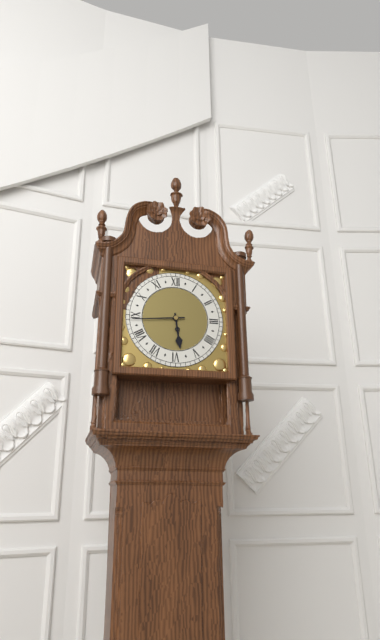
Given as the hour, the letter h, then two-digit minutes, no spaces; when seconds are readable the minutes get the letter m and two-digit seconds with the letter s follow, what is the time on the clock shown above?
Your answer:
5h44
